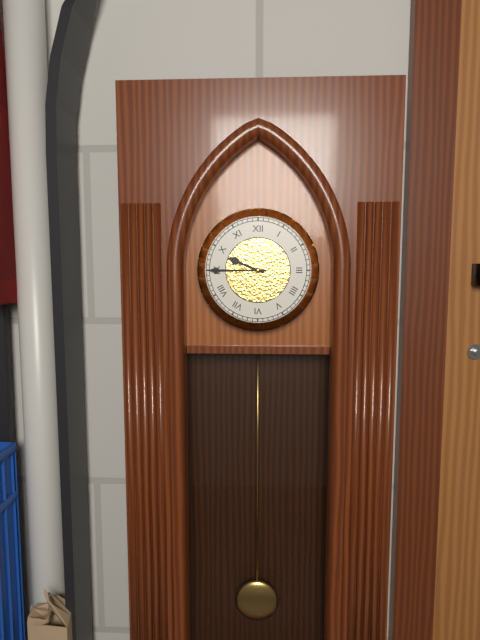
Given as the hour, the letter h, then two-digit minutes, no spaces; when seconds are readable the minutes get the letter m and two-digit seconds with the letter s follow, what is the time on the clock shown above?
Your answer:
9h45
